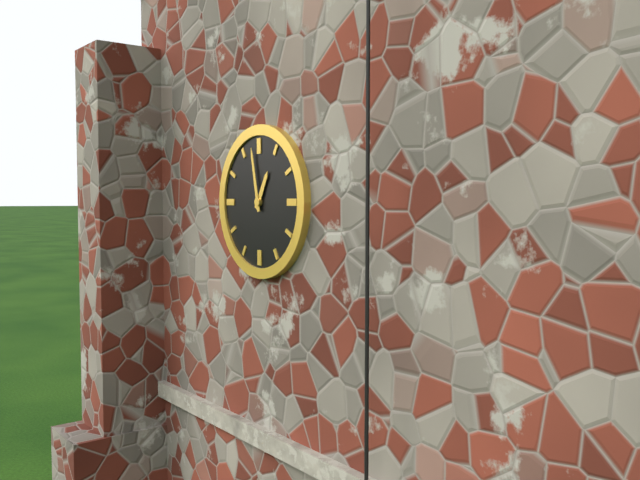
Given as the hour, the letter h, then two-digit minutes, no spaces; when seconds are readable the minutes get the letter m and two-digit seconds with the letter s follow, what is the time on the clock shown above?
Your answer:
12h58
